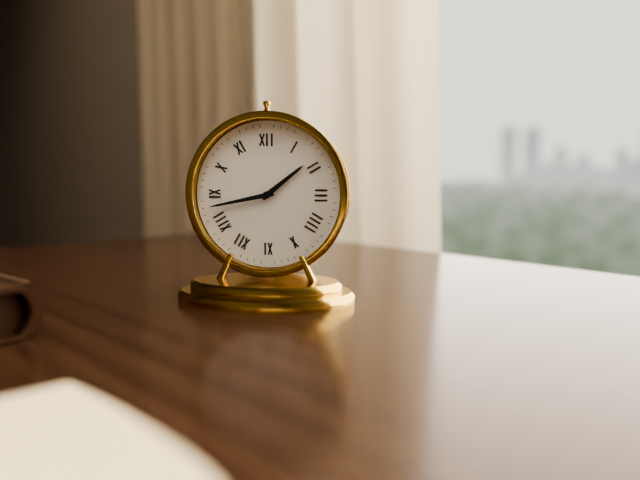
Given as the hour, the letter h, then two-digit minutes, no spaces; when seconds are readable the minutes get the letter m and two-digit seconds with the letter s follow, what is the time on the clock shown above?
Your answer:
1h43
